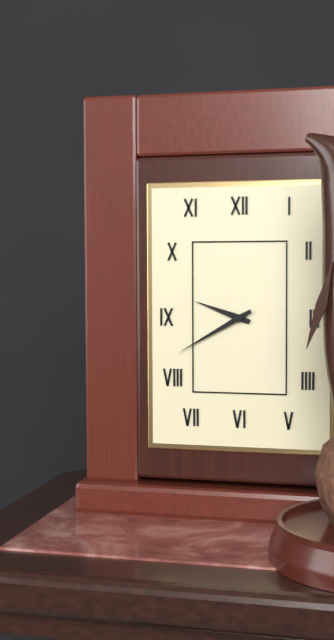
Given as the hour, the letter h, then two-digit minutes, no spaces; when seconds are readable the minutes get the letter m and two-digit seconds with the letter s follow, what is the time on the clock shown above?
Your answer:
9h40
